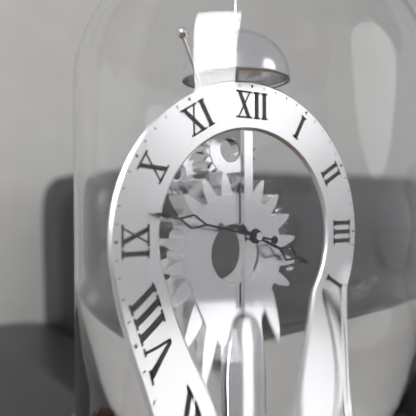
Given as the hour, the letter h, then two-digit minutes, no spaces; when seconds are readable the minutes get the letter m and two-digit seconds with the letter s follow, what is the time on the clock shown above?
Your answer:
3h47
